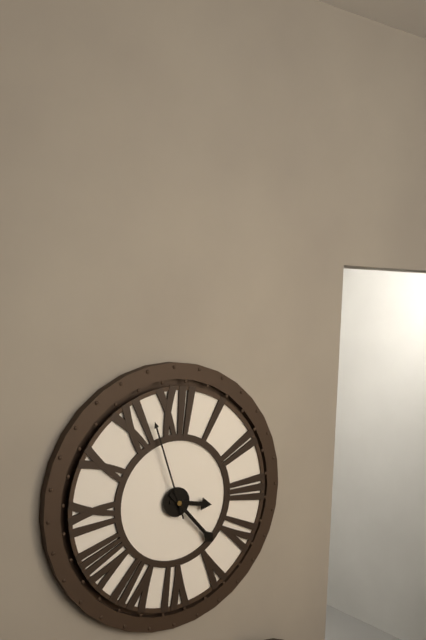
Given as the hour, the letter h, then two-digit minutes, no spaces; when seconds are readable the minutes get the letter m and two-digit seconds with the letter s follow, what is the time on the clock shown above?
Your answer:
3h23m57s
